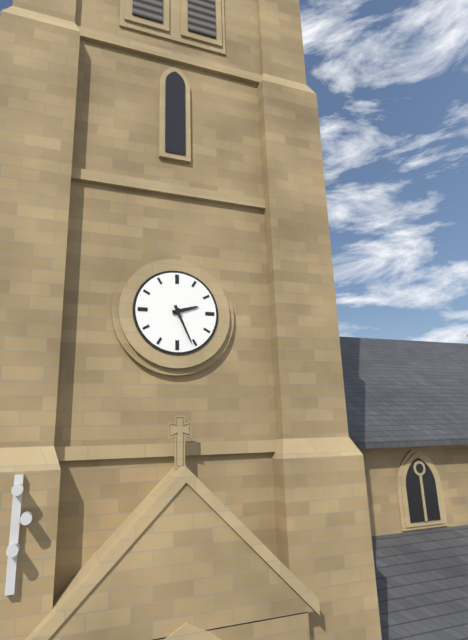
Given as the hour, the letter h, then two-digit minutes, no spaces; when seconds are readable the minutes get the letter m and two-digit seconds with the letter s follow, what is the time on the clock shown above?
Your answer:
2h26
